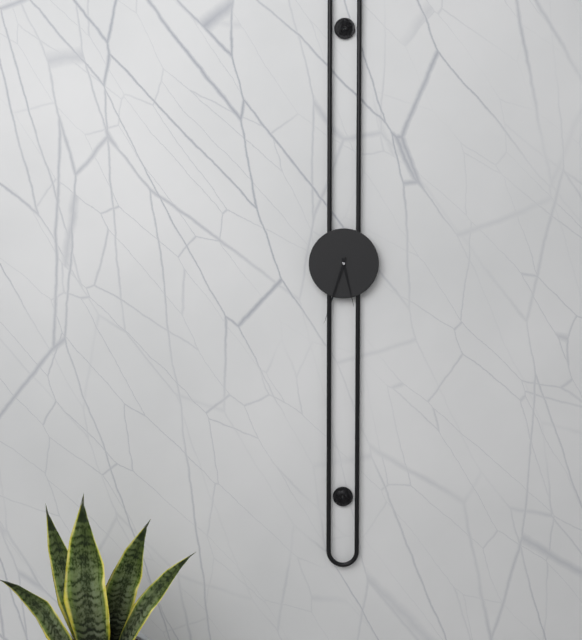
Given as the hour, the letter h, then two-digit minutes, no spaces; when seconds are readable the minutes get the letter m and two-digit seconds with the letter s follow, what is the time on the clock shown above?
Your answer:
5h33
